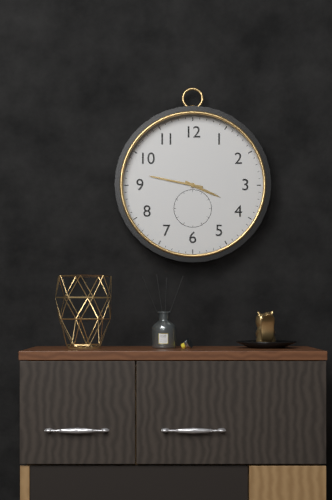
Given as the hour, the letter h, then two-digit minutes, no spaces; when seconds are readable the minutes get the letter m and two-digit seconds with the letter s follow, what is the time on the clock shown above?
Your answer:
3h47
